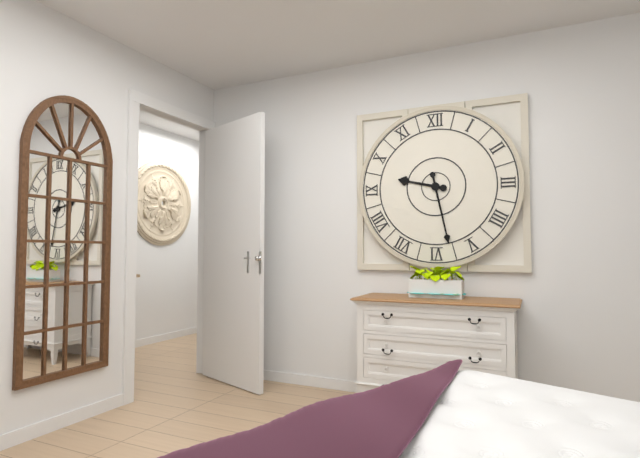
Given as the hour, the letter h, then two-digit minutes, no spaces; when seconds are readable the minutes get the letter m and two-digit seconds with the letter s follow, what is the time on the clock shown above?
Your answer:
9h28
